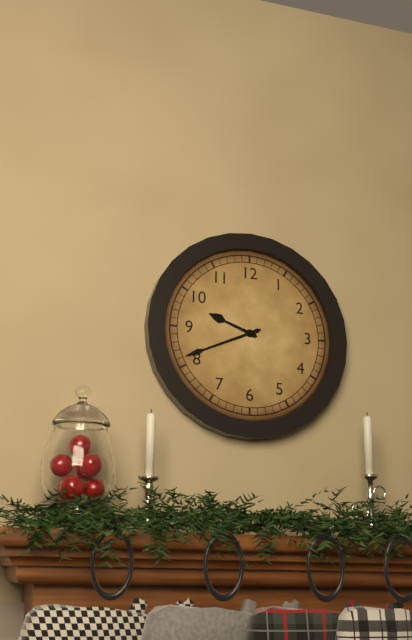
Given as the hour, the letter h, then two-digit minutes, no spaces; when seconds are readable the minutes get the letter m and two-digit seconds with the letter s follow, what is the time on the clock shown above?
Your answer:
9h41
